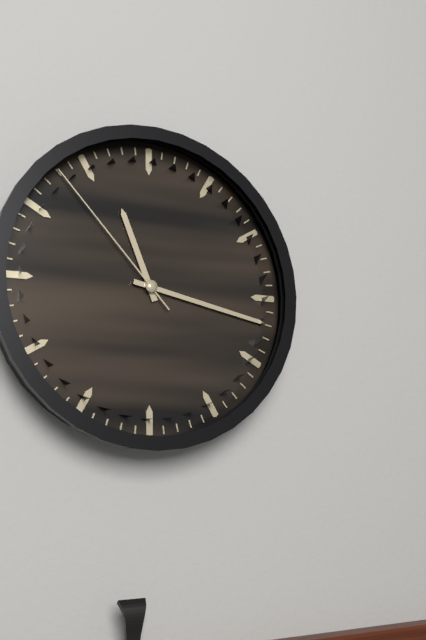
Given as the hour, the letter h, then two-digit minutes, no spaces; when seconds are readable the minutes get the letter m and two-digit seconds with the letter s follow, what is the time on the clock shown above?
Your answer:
11h17m53s
